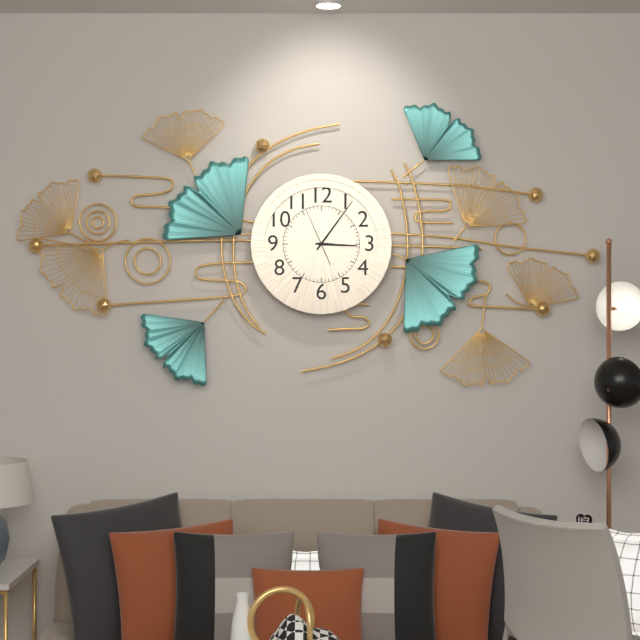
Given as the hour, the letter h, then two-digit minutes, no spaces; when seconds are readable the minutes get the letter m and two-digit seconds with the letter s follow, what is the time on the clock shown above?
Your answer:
3h06
